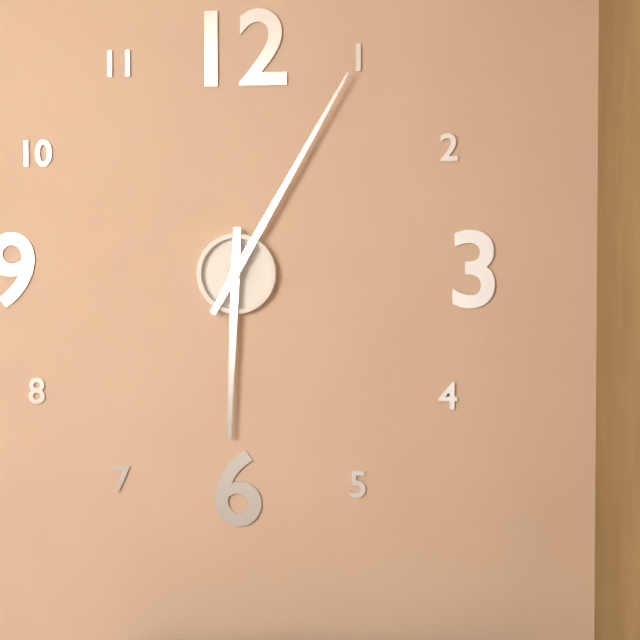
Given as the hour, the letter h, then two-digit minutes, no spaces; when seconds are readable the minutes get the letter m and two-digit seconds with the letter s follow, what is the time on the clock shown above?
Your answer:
6h05
